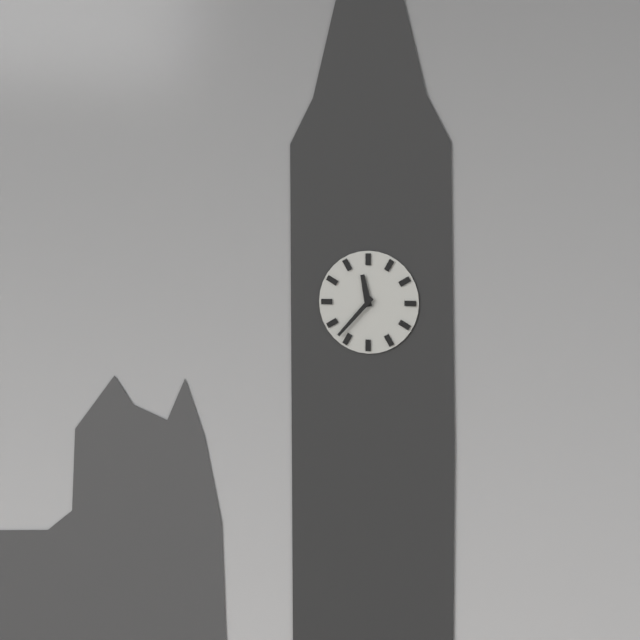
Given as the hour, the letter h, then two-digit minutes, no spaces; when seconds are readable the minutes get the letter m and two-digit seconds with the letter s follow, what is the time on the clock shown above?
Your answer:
11h37
